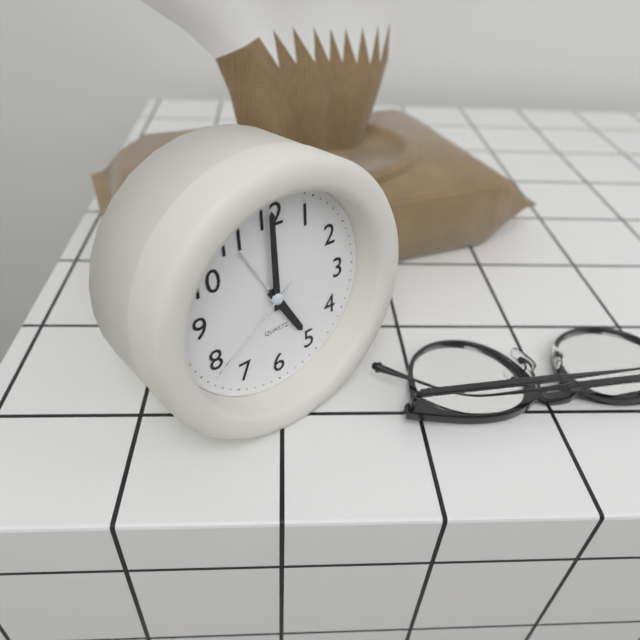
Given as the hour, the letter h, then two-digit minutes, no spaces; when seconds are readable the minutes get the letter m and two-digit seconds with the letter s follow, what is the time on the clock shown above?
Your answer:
5h00m39s
